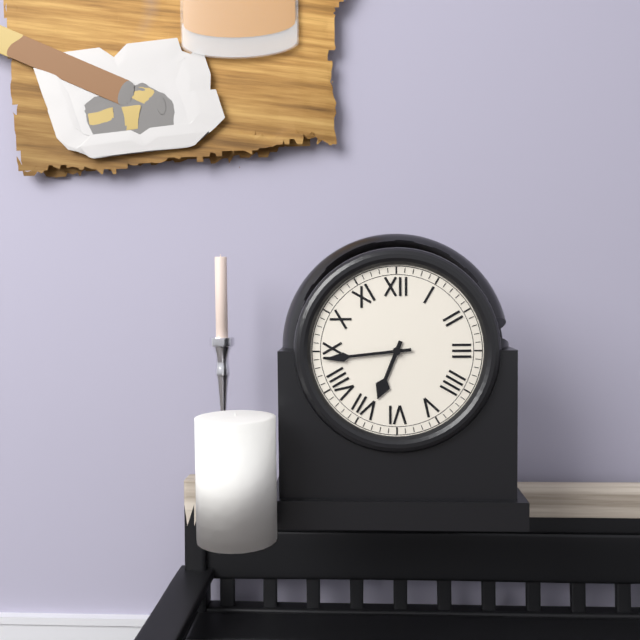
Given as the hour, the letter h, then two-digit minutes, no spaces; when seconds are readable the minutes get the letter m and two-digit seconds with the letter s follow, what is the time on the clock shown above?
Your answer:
6h44
